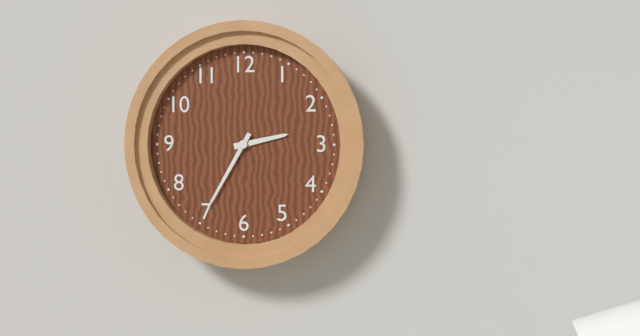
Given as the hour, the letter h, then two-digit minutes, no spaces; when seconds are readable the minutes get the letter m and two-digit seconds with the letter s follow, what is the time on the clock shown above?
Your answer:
2h35
